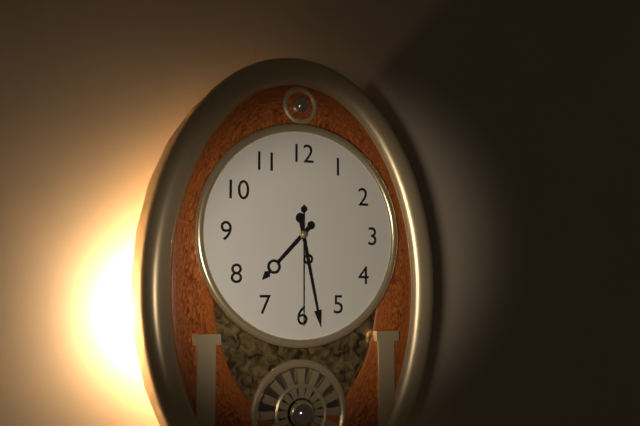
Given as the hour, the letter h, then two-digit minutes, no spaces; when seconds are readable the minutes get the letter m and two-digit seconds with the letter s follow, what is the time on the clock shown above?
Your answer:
7h28m30s
